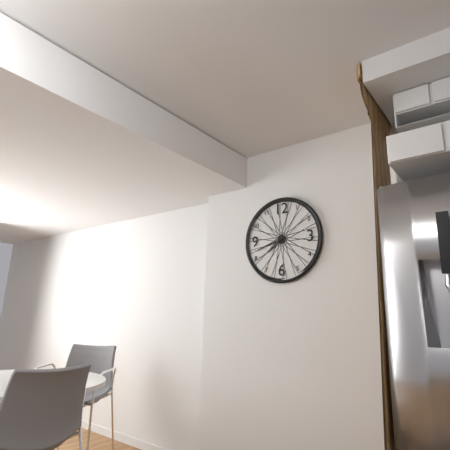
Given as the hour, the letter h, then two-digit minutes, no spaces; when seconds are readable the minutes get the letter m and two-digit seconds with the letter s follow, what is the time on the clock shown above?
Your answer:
7h42
